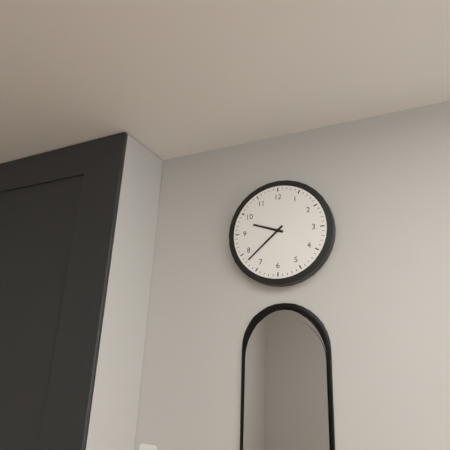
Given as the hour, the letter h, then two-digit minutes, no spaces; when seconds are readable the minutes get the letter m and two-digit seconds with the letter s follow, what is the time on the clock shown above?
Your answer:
9h38
